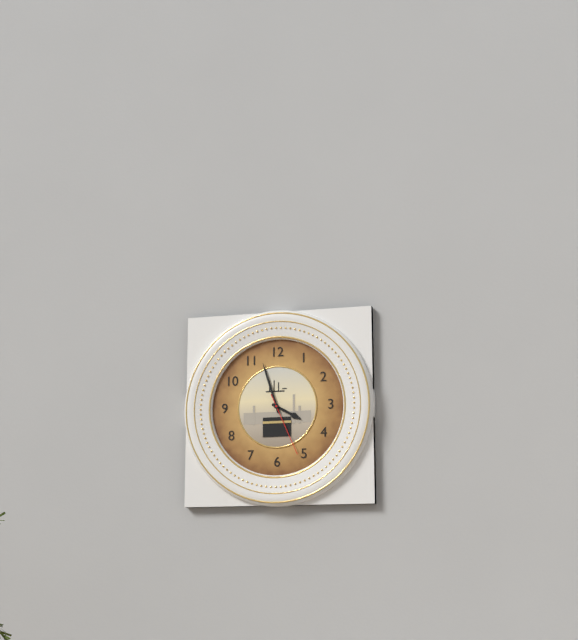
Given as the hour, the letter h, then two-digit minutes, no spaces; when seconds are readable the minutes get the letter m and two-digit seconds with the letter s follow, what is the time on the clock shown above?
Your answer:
3h57m26s
